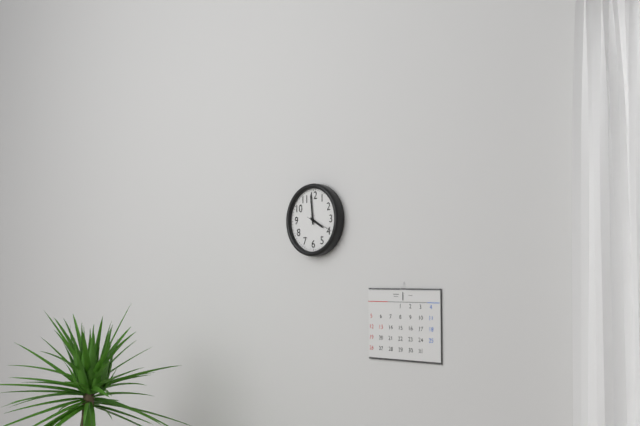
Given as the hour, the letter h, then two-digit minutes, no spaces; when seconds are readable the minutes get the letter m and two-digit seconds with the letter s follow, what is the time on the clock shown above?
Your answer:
3h59
